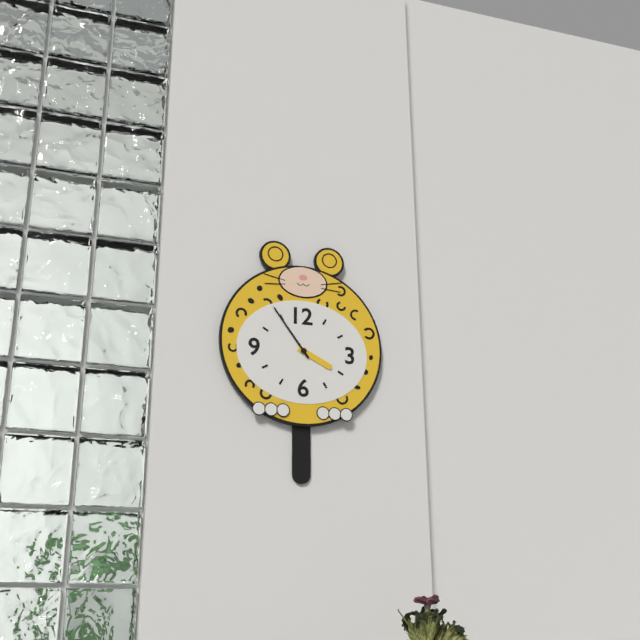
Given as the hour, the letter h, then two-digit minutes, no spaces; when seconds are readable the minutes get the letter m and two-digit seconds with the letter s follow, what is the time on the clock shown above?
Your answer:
3h54
